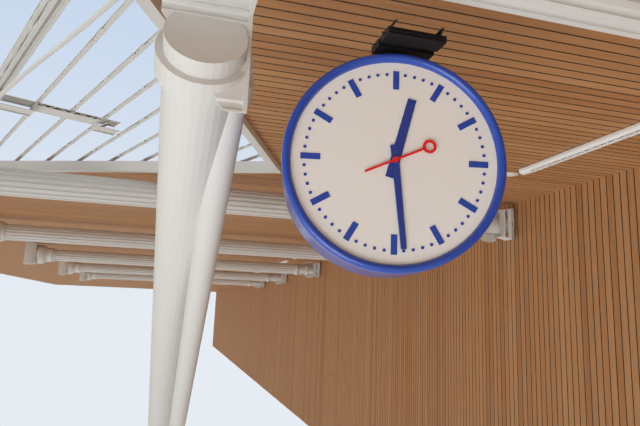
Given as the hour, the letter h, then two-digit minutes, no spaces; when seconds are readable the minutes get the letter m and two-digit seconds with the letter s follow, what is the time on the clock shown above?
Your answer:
12h29m11s
